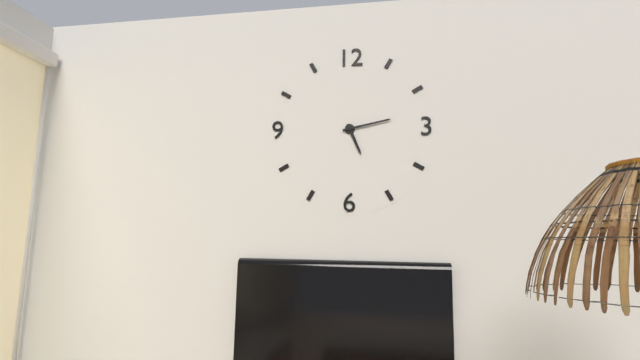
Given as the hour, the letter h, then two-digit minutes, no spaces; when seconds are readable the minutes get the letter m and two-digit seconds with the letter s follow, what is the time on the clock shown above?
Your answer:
5h13
